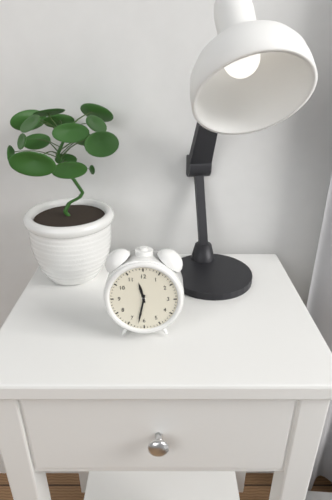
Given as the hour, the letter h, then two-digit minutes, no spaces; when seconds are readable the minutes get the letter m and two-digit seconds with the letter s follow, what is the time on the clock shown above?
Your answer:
11h32
